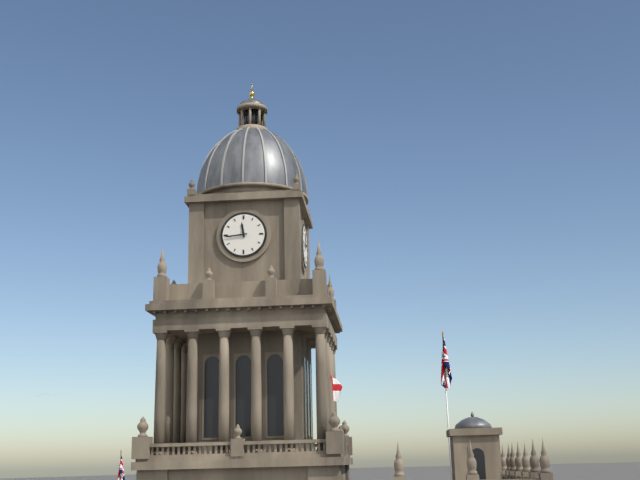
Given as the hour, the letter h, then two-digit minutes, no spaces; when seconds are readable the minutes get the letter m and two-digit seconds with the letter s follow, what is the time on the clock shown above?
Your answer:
11h44
